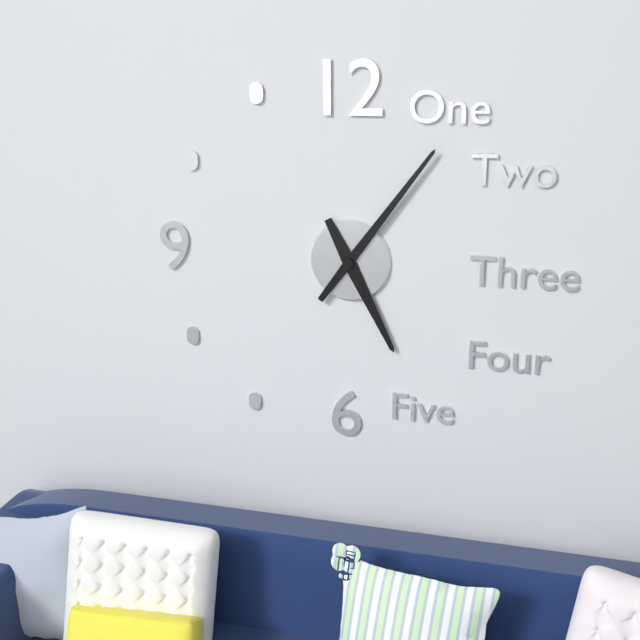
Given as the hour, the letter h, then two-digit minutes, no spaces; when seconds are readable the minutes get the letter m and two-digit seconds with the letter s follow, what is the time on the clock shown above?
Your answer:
5h06
